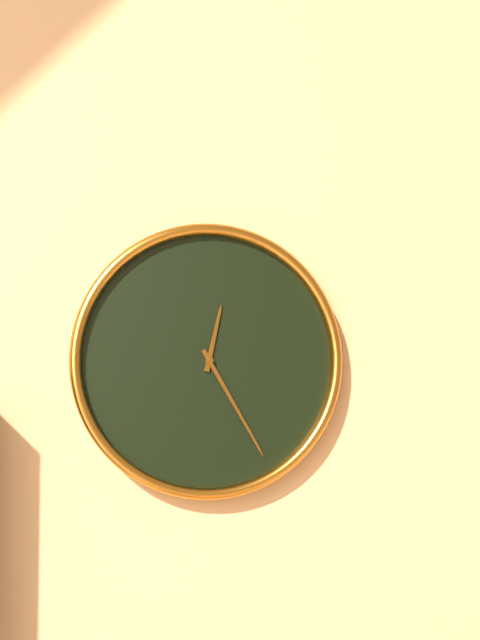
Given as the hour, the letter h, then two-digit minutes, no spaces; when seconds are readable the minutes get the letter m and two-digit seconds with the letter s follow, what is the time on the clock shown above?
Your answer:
12h25
